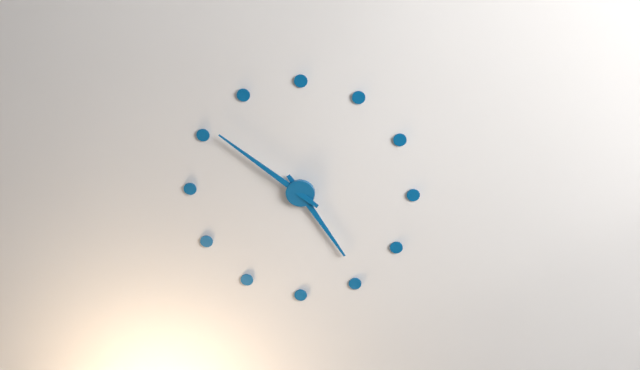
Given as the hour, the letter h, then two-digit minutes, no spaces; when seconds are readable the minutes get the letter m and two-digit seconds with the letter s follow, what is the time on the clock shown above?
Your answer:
4h51
